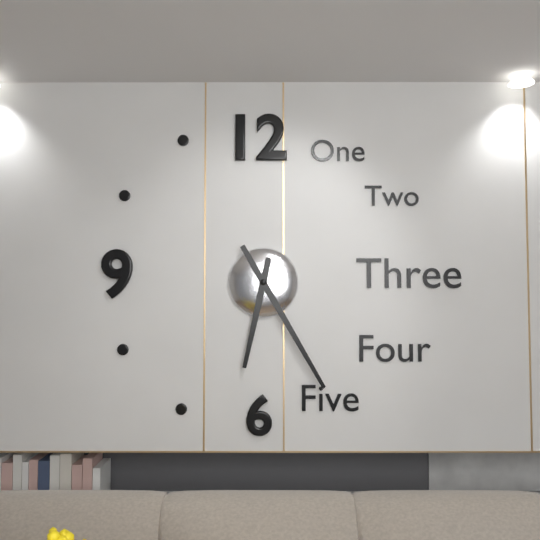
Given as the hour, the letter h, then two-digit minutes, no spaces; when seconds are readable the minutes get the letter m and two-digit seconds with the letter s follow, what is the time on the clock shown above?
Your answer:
6h25
